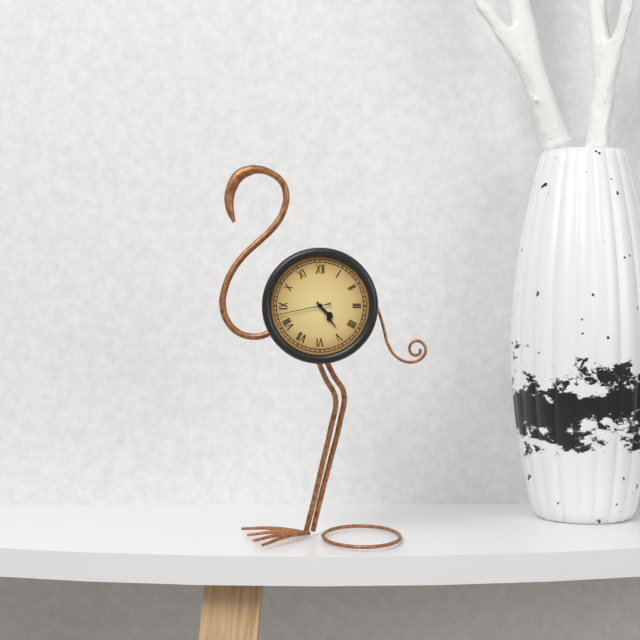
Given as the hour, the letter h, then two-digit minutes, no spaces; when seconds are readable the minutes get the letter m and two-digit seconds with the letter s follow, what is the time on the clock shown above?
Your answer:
4h24m43s
